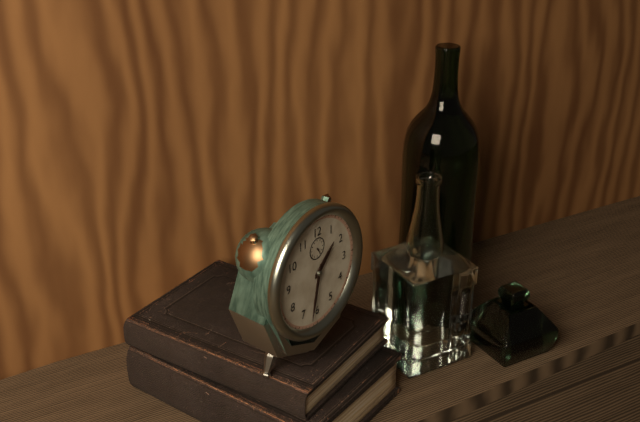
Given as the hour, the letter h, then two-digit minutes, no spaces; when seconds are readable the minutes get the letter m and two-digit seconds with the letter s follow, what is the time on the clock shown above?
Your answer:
1h32
